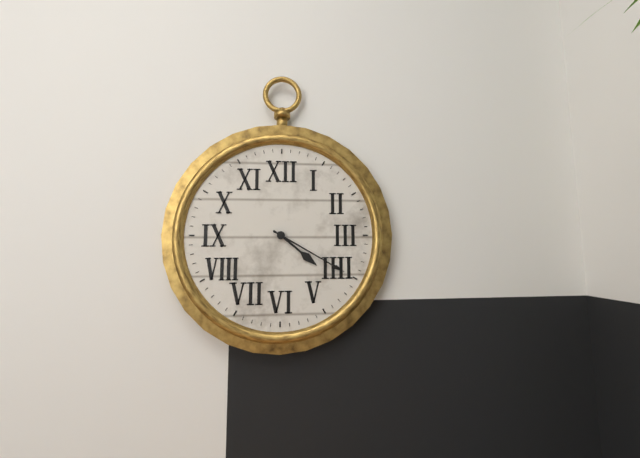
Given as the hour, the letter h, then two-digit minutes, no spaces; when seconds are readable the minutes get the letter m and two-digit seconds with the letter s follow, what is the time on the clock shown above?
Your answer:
4h20
